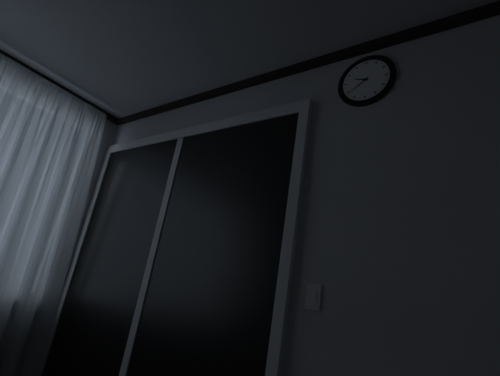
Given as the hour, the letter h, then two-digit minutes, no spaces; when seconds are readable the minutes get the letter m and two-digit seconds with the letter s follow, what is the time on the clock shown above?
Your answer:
9h39
